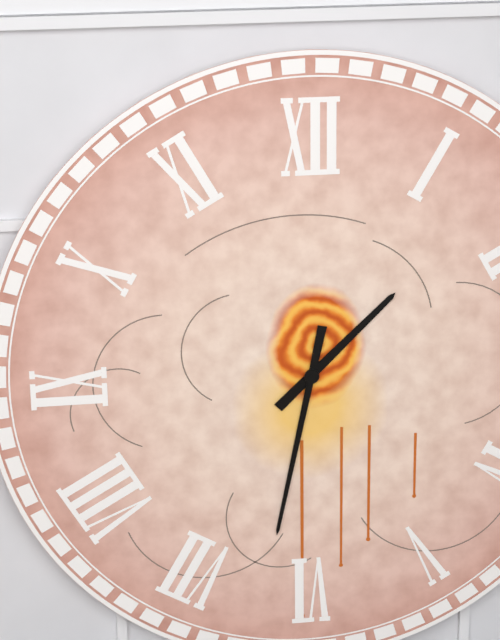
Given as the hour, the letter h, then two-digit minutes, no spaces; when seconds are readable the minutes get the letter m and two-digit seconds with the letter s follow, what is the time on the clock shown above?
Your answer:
1h32
